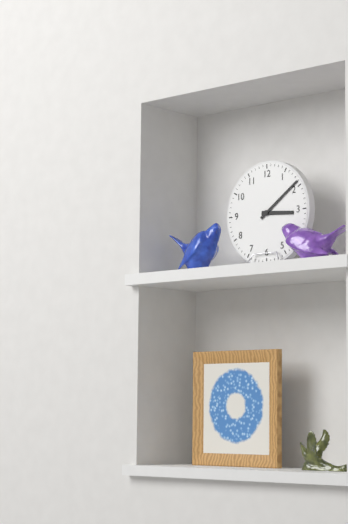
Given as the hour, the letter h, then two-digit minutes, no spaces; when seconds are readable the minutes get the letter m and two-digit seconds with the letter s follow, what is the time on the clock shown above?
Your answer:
3h09
